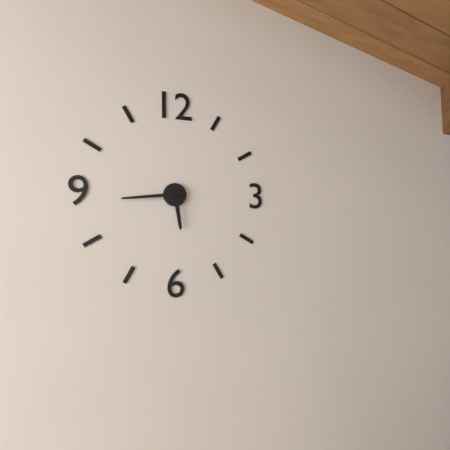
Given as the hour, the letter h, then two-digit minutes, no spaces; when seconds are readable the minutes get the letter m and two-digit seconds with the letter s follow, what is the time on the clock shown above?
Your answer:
5h44
